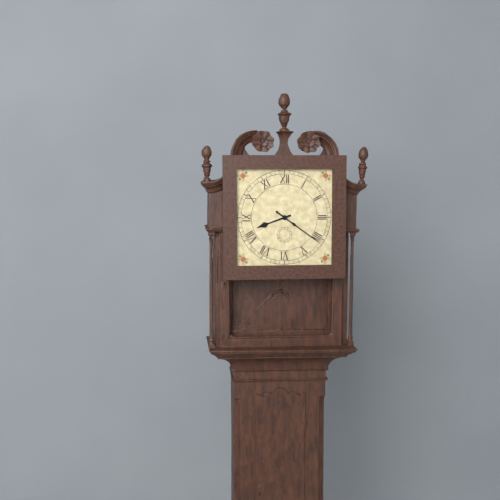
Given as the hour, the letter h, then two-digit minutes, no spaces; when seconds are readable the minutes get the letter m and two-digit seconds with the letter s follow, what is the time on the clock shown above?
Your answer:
8h21
